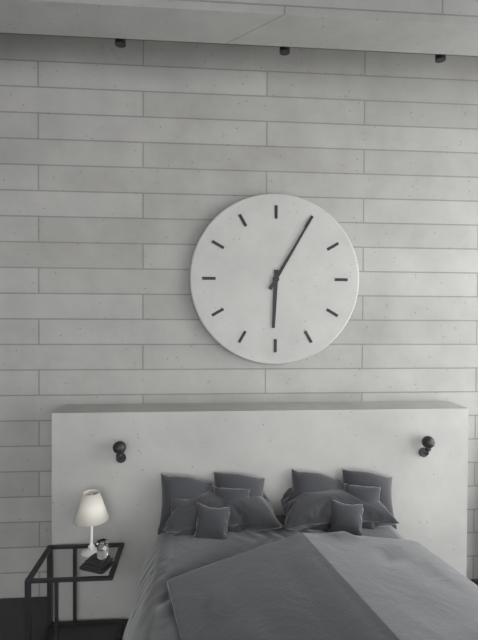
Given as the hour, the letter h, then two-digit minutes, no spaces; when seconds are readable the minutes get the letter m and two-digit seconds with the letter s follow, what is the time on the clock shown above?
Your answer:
6h05
